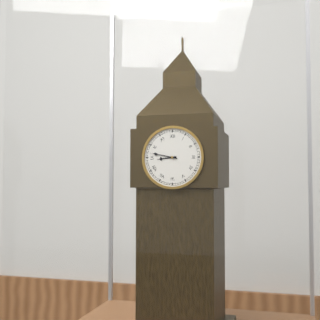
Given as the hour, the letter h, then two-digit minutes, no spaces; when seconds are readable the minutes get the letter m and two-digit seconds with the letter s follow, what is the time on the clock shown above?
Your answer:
8h47
